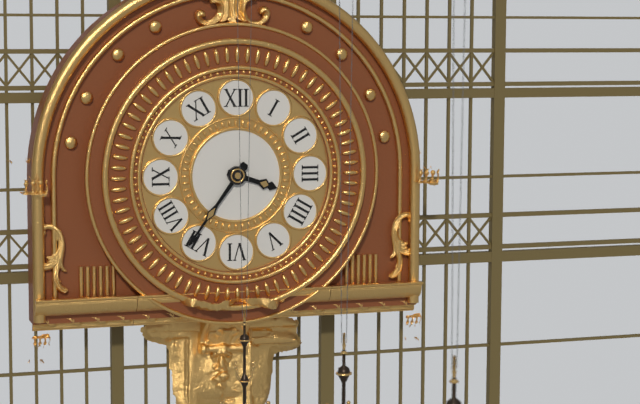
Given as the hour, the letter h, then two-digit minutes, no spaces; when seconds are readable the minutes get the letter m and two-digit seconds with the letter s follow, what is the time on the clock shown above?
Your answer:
3h36
